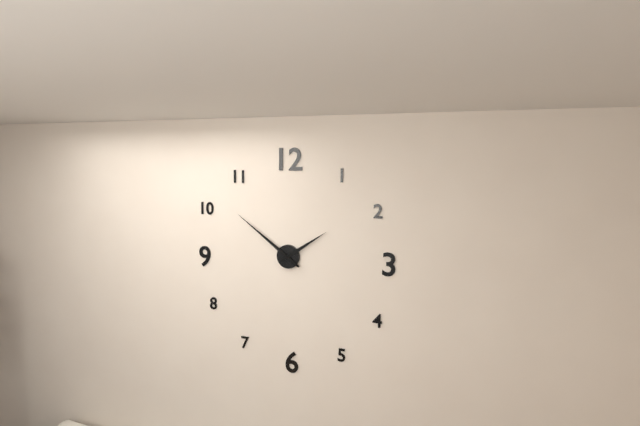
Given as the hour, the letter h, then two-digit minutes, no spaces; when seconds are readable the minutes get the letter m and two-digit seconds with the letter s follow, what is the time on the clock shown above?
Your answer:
1h51
